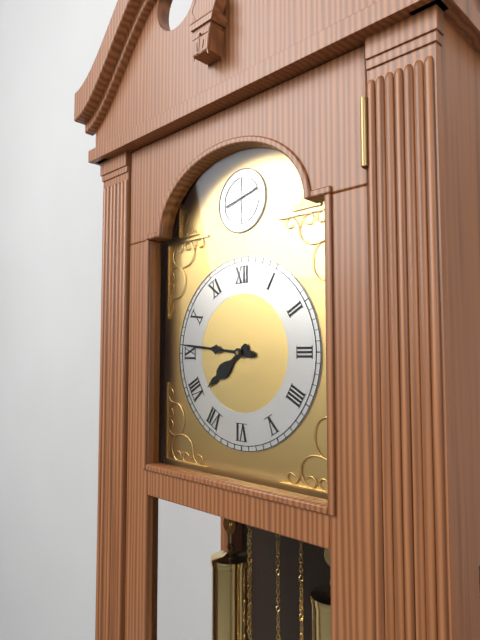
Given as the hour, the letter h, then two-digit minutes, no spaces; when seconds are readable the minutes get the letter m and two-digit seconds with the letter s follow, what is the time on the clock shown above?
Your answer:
7h46
